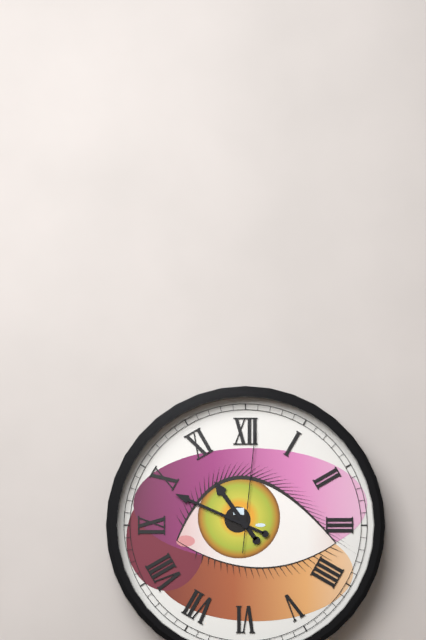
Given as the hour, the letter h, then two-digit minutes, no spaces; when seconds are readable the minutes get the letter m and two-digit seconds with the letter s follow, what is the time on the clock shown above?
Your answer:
10h49m01s
